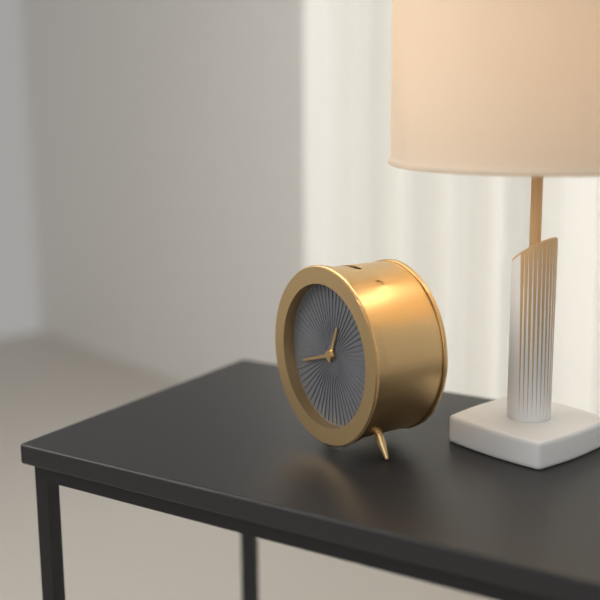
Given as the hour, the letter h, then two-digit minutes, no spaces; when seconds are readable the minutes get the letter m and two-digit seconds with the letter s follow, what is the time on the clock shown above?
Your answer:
12h42
